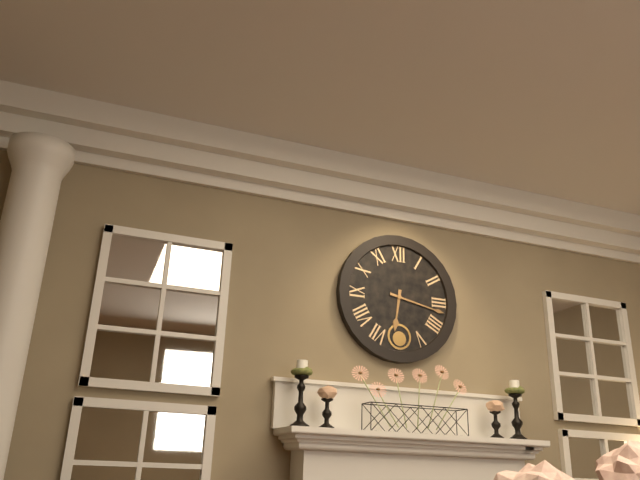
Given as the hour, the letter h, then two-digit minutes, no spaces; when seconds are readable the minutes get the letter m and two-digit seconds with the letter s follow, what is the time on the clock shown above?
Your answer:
6h17
